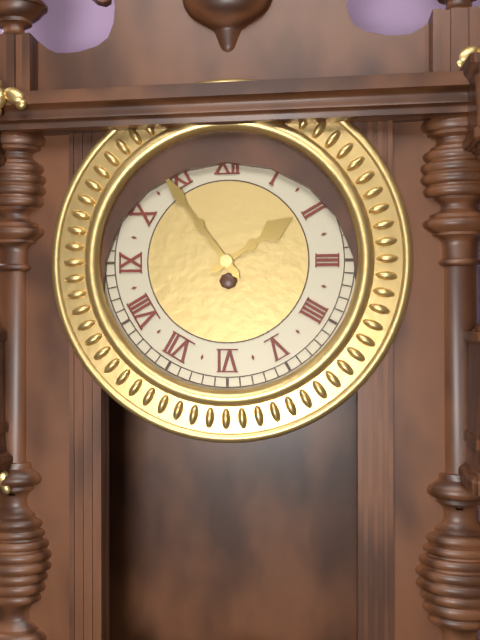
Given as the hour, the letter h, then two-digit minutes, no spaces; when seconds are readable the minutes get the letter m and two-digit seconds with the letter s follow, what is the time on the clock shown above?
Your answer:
1h54
